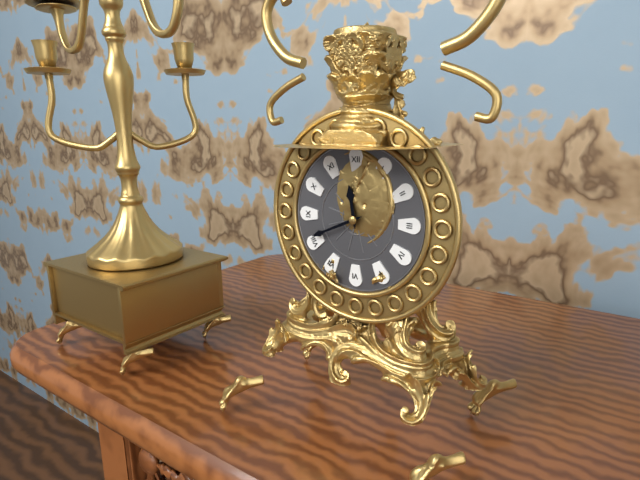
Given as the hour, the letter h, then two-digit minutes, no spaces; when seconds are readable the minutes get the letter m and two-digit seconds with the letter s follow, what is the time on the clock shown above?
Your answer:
11h41
